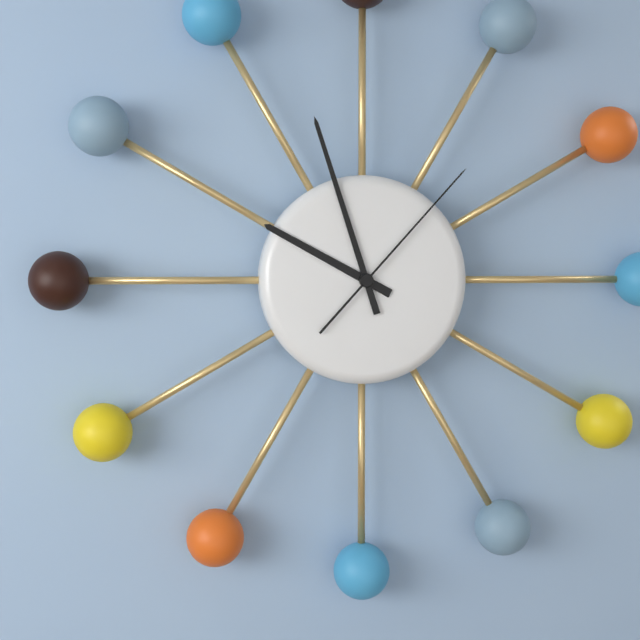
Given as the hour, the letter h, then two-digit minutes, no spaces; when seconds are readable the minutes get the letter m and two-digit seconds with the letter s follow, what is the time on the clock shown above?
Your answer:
9h57m07s
